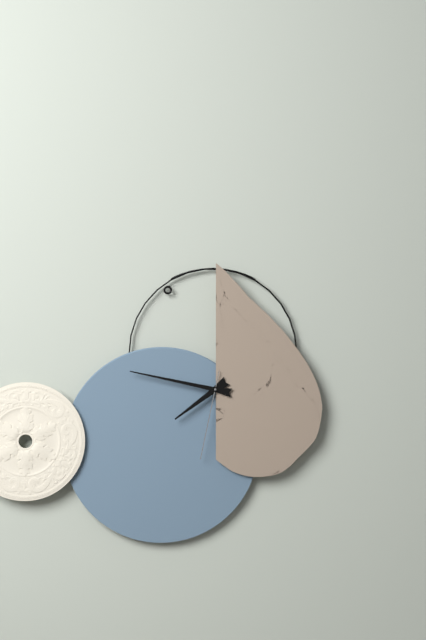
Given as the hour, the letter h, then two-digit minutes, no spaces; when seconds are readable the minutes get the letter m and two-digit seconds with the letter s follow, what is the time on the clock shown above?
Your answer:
7h47m32s
